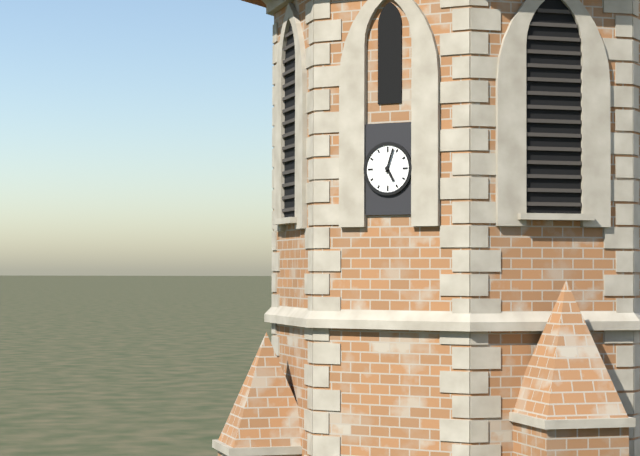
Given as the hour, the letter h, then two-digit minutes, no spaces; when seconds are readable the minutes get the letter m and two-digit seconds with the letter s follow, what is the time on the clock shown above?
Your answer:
5h03
